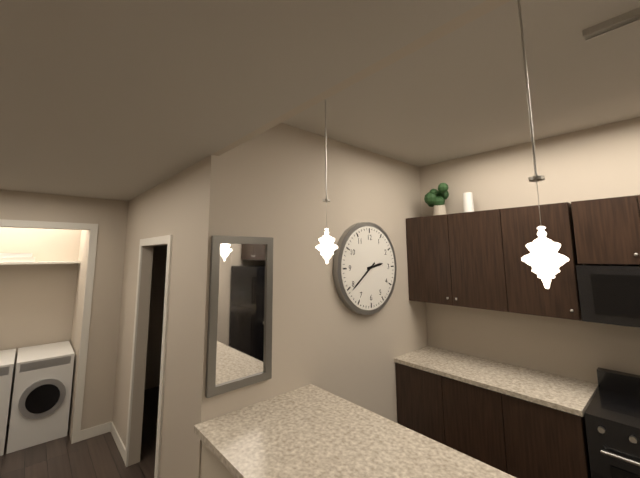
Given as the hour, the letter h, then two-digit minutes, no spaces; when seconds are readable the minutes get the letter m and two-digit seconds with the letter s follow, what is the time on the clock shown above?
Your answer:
2h39
